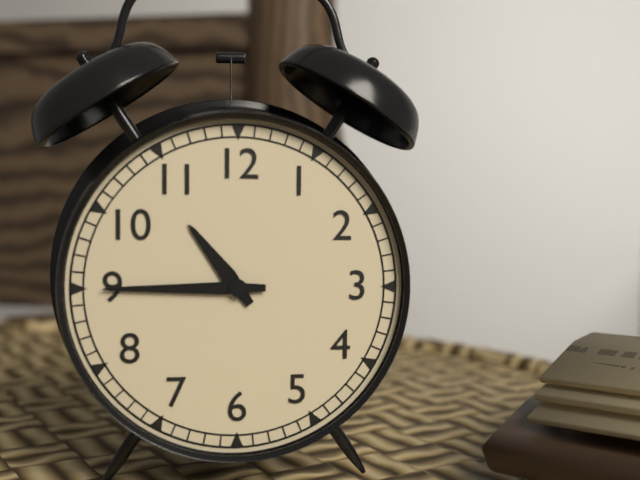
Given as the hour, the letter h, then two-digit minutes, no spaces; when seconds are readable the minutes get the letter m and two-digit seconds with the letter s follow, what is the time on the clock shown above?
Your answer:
10h45
